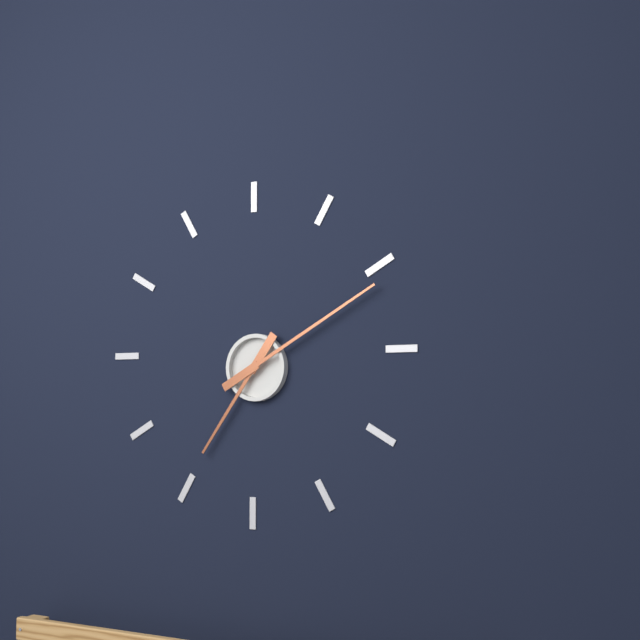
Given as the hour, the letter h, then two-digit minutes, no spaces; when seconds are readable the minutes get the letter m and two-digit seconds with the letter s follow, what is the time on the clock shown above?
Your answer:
7h10
